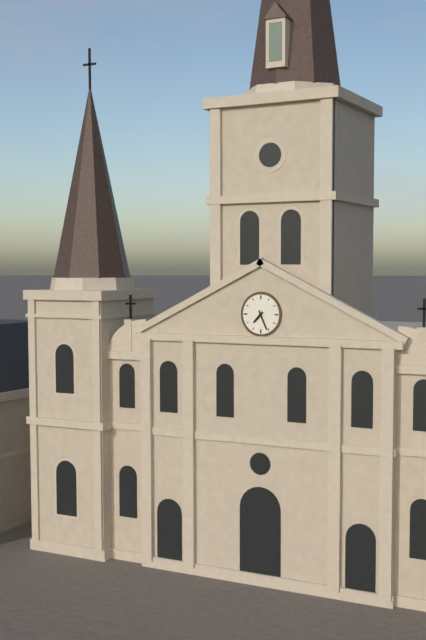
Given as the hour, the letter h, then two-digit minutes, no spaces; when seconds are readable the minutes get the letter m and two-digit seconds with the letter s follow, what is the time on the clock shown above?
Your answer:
7h26
